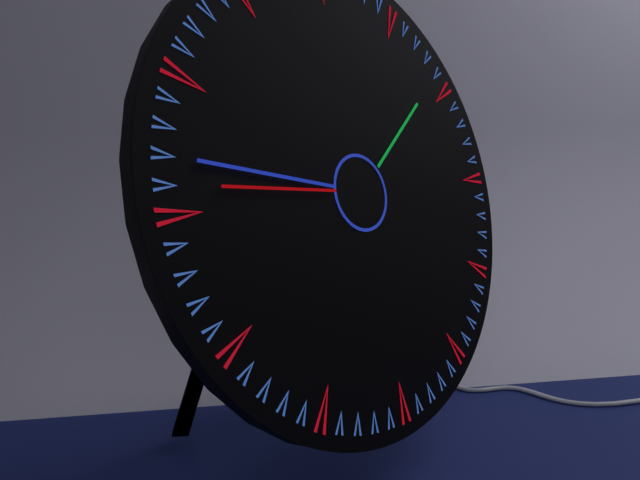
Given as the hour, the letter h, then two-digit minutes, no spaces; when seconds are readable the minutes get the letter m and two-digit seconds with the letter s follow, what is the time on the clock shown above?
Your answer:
1h47m46s
